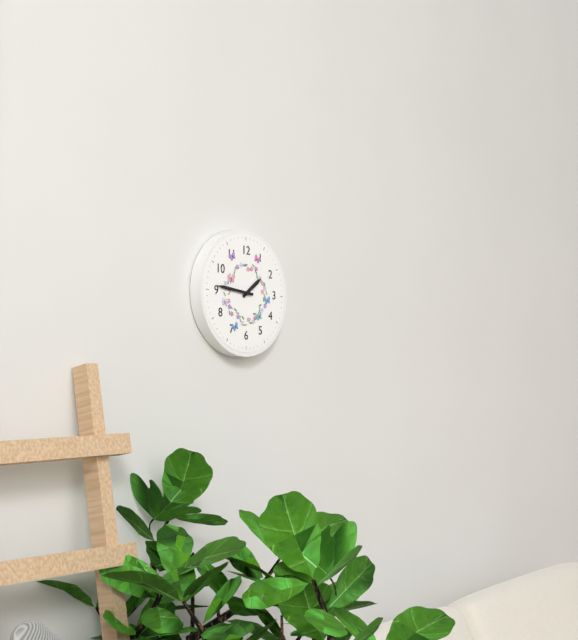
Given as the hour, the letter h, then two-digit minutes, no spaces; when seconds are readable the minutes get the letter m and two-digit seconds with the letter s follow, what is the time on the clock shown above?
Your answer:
1h46
